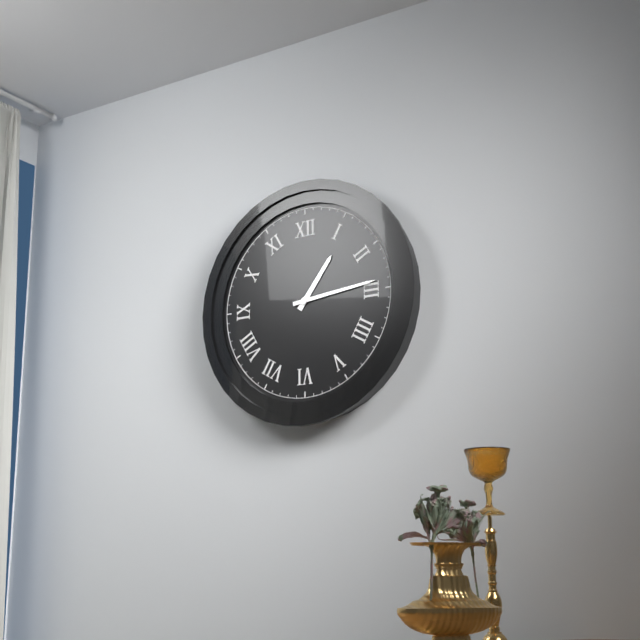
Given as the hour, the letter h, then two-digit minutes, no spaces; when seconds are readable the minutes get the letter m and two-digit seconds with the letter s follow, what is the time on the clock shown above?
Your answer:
1h14
